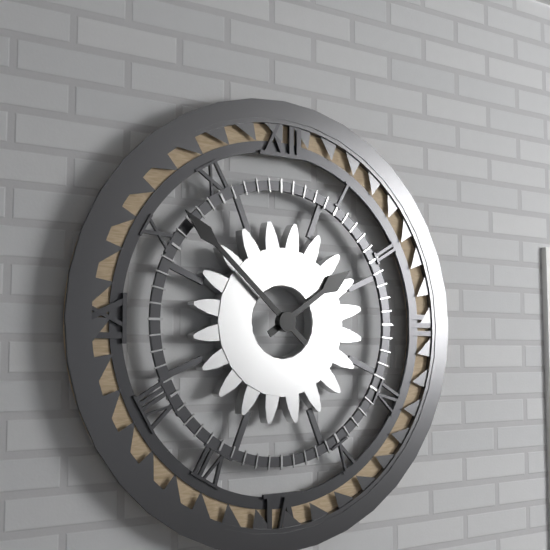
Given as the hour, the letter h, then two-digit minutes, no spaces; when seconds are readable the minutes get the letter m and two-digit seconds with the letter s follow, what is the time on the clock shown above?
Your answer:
1h52
